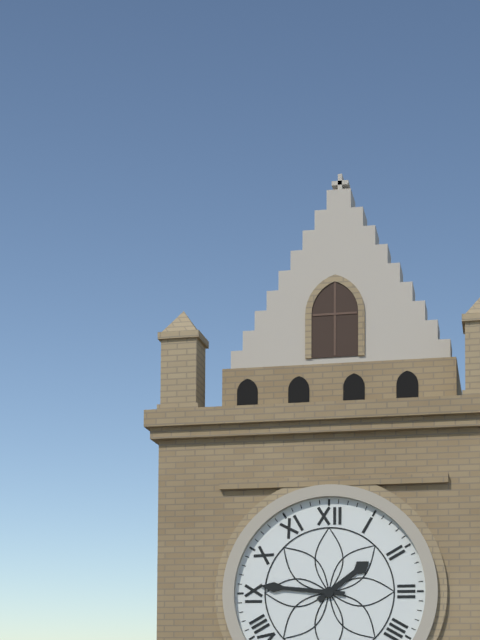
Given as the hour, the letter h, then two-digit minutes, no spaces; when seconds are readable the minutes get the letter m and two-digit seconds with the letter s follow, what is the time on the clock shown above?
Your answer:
1h46
